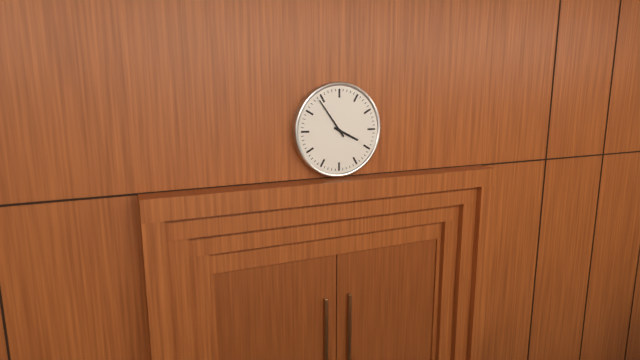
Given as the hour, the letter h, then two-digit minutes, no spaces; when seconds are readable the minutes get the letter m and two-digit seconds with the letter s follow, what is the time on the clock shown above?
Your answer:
3h54
